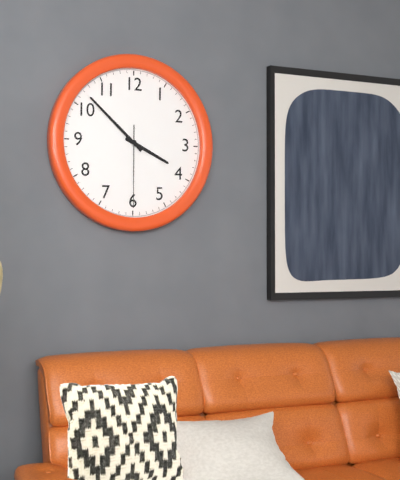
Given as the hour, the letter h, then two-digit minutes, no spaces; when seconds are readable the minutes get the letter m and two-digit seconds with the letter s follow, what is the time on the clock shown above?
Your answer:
3h52m30s
